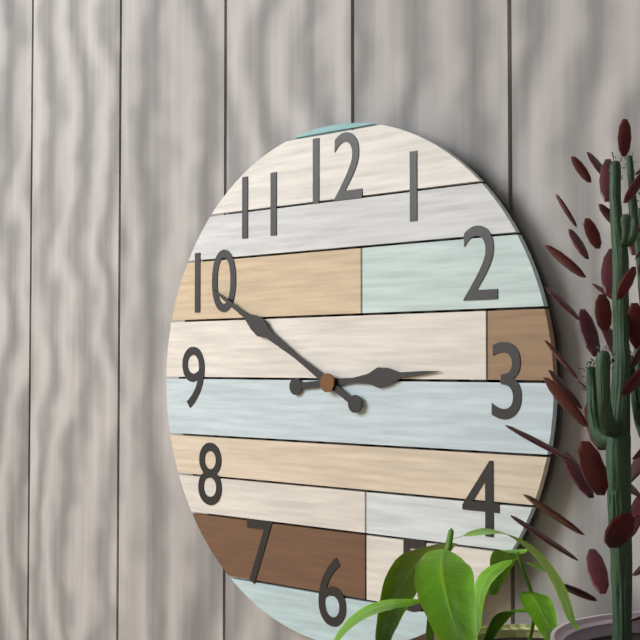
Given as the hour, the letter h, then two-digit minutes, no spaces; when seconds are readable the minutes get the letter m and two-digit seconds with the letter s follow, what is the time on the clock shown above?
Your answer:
2h50
